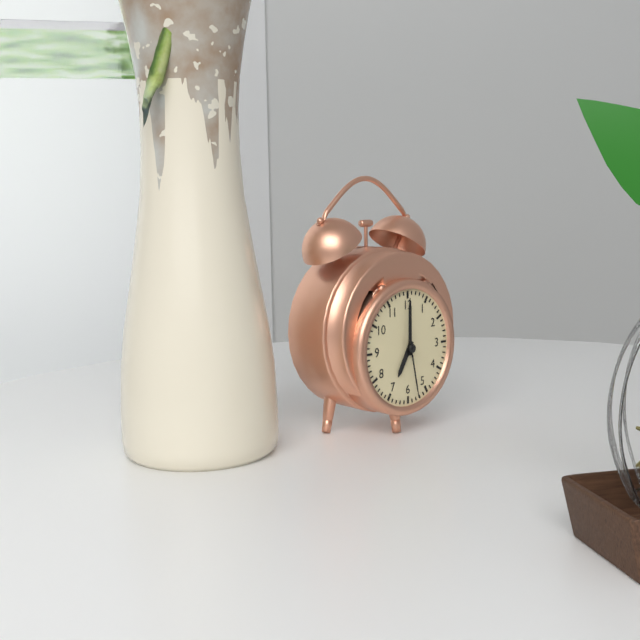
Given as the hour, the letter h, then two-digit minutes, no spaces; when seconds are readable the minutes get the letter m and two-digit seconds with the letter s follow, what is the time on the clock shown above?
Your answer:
7h00m28s
